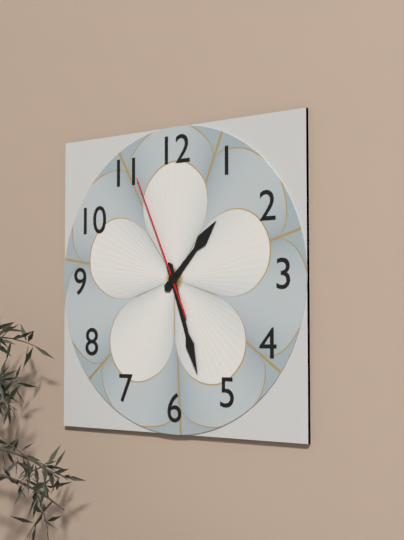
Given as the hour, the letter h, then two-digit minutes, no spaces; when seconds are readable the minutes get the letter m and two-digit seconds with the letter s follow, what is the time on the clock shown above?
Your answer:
1h27m56s
